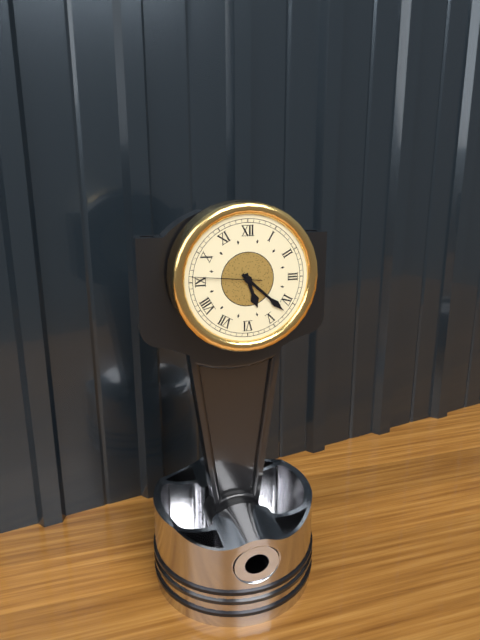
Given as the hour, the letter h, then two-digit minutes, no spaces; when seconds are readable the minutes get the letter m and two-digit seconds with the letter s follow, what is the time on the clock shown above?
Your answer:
5h22m46s
